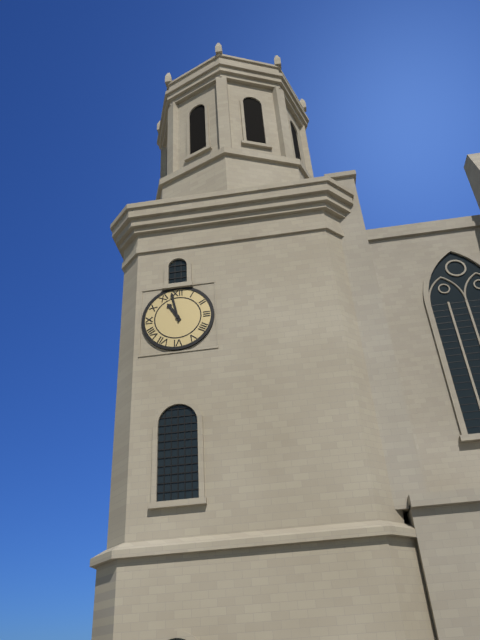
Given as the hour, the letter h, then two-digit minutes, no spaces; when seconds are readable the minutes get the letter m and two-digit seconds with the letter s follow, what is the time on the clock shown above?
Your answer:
10h58
